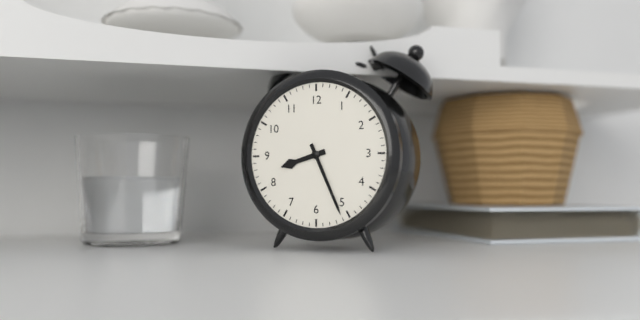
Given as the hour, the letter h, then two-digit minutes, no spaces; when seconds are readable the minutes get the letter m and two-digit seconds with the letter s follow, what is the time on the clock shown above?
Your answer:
8h26
